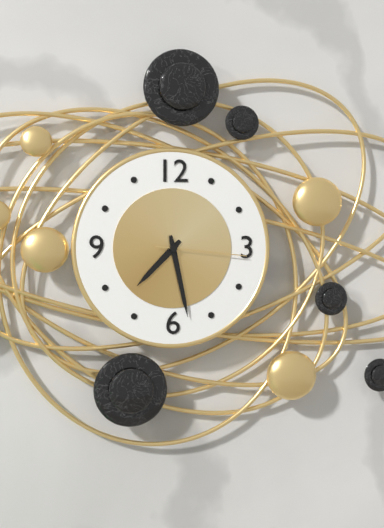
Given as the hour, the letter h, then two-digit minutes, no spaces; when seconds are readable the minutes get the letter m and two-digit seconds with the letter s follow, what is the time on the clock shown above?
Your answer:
7h28m16s
